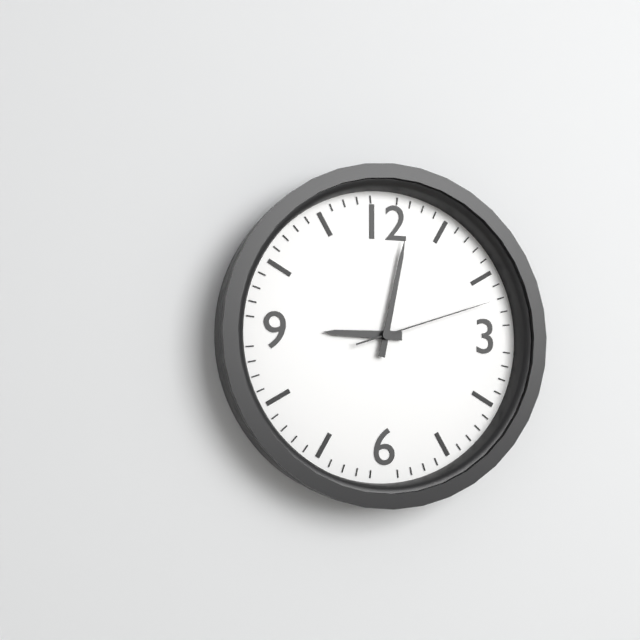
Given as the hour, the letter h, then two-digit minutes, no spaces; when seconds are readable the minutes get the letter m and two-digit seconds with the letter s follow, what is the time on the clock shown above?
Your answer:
9h02m12s
